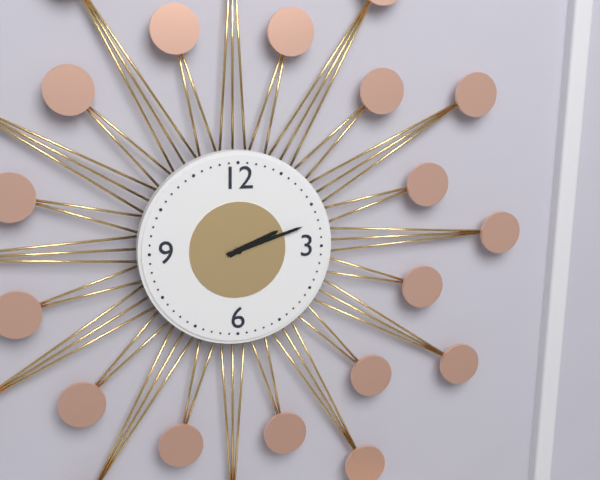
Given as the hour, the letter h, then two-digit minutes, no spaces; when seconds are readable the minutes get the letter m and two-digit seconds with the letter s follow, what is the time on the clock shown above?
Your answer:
2h12
